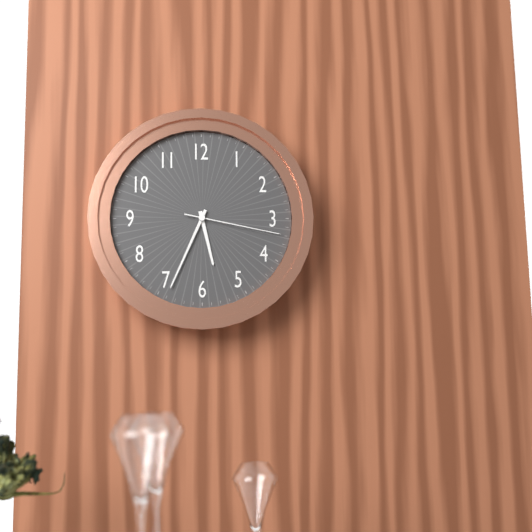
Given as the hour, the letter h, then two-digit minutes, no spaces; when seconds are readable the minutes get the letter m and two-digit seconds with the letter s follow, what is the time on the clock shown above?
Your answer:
5h34m17s
